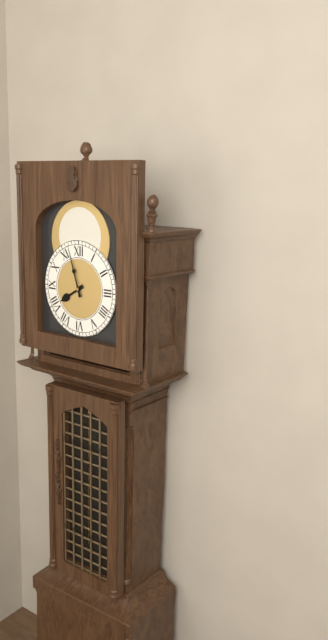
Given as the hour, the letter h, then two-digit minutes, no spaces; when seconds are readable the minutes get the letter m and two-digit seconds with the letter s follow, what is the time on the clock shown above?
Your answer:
7h57
